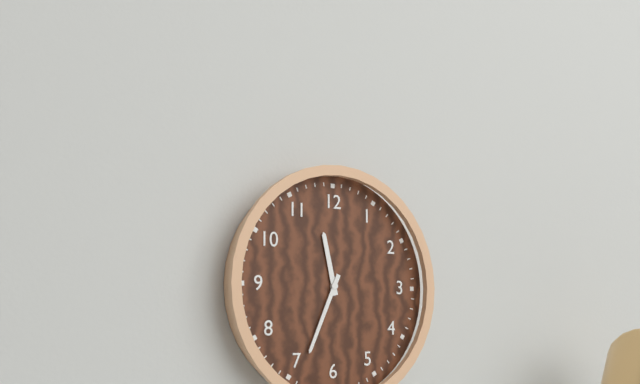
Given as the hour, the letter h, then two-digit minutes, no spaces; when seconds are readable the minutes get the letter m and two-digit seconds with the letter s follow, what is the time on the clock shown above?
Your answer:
11h34
